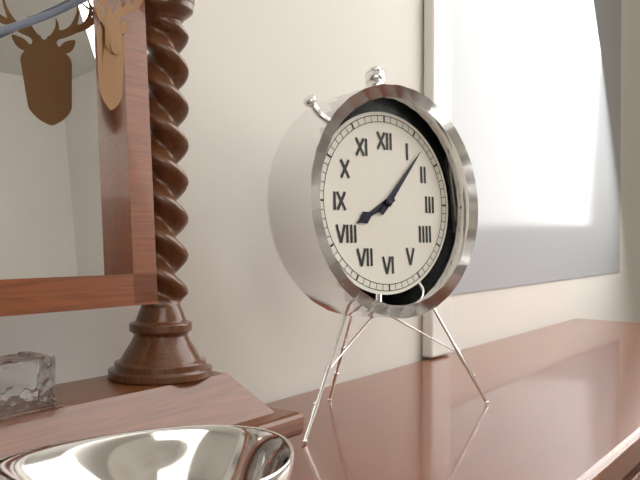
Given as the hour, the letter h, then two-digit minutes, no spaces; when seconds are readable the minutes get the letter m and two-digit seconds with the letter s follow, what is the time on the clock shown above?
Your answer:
8h07
